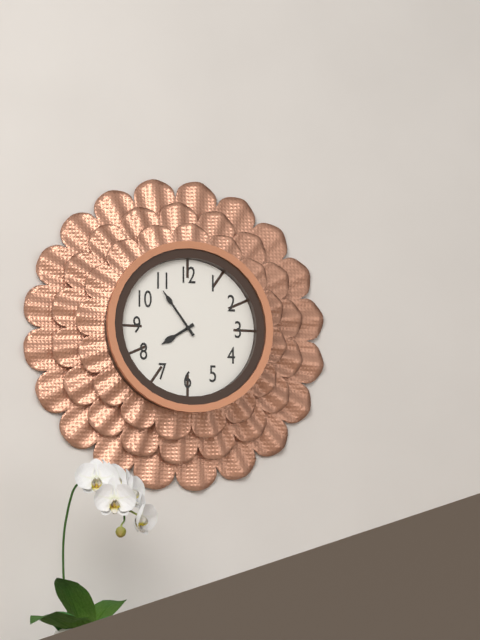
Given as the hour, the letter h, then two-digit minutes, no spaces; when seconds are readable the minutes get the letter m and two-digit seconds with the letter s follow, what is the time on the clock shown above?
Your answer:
7h54
